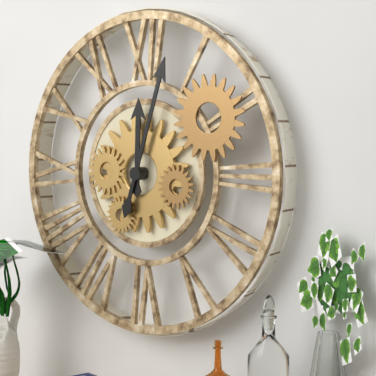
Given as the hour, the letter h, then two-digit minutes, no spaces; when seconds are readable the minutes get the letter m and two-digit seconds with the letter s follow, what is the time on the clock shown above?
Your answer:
12h03
